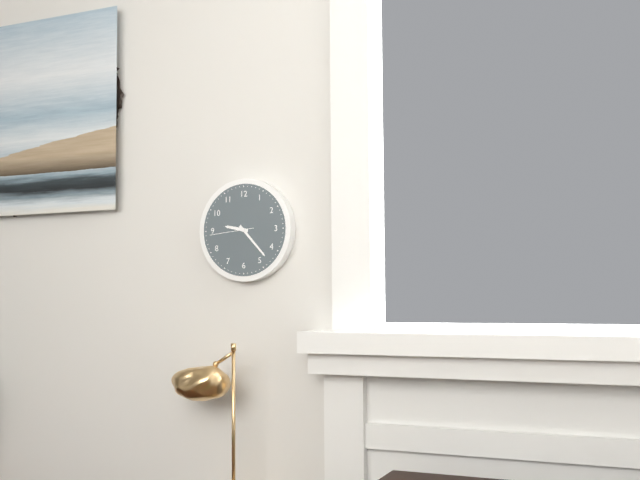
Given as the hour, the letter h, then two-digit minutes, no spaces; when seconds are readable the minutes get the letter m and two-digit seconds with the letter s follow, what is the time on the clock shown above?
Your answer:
9h23
